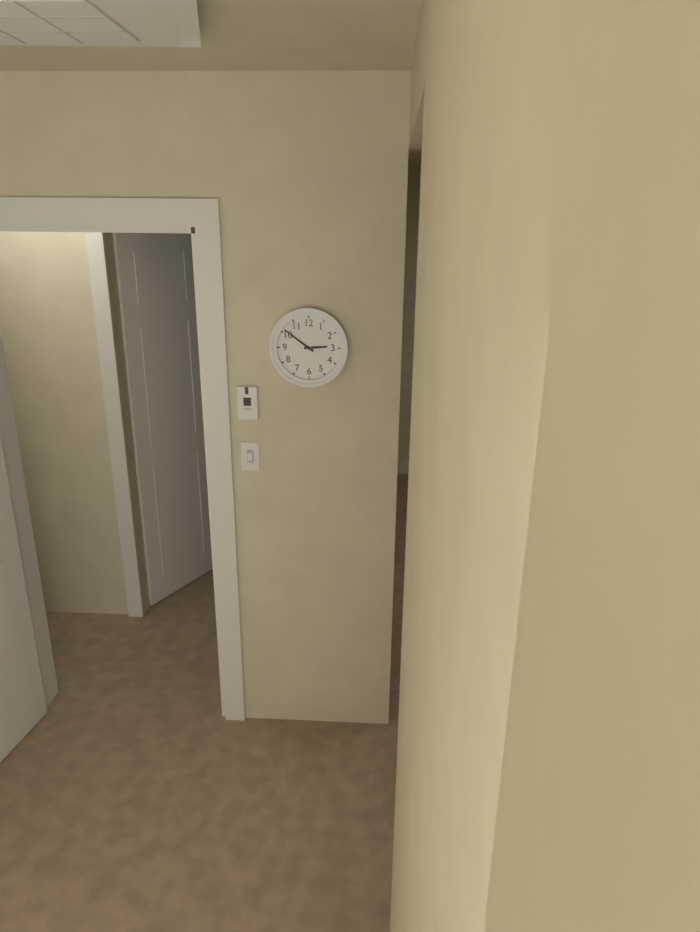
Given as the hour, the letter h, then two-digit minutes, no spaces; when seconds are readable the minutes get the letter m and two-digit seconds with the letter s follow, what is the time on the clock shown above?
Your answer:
2h51
